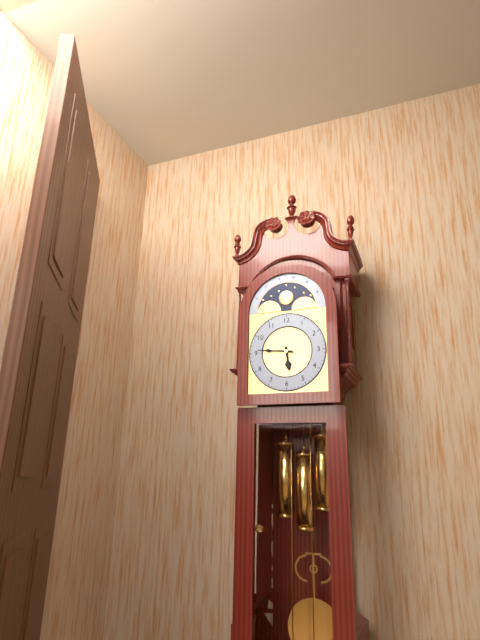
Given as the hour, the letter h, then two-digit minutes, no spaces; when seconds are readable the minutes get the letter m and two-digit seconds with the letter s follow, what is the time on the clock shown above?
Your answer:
5h46
